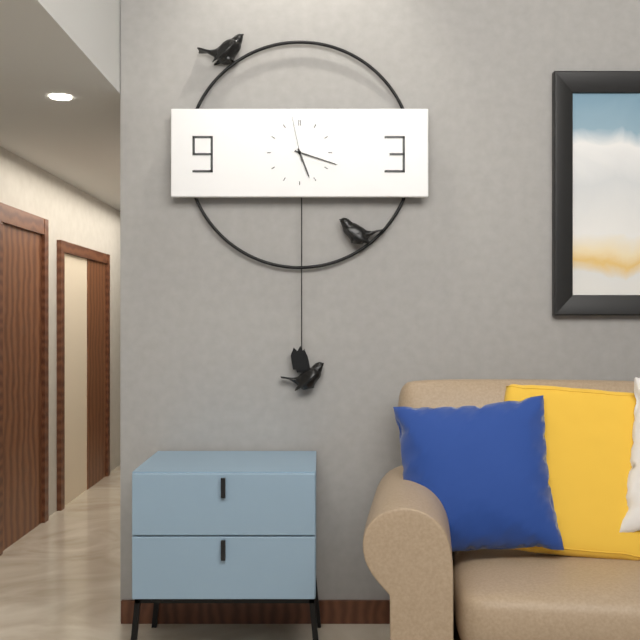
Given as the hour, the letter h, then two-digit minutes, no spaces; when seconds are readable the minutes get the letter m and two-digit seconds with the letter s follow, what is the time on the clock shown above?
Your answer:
5h18
